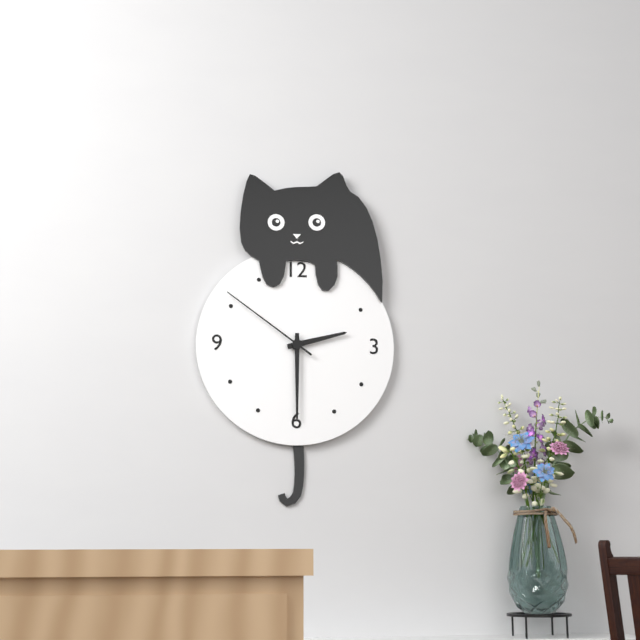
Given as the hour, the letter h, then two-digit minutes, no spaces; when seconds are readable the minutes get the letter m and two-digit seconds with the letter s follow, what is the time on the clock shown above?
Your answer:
2h30m51s
